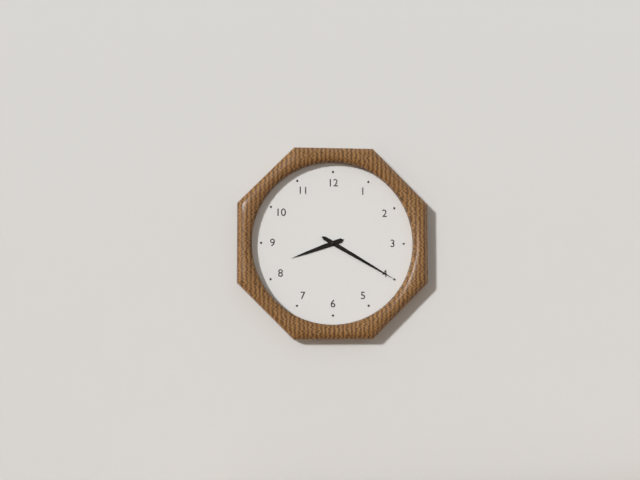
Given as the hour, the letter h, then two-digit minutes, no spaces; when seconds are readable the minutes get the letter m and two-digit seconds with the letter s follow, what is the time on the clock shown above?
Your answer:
8h20
